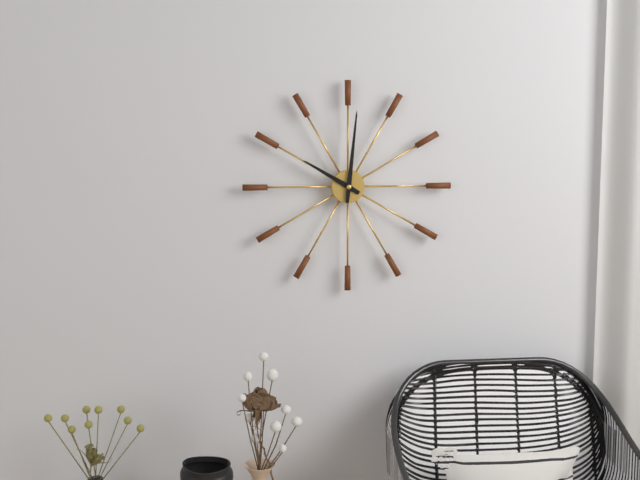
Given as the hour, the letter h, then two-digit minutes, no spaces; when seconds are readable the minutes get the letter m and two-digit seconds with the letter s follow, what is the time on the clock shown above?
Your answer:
10h01
